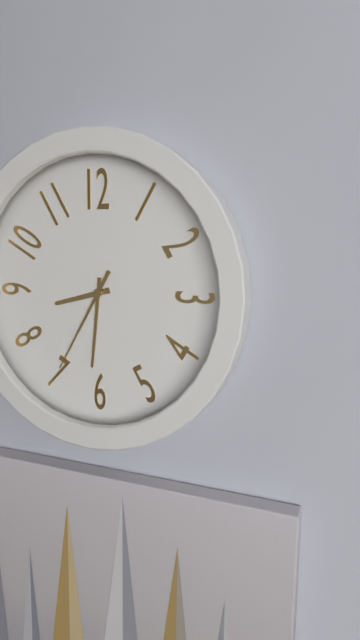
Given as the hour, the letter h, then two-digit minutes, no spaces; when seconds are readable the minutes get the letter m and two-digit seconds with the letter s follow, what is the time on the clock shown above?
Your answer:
8h31m35s
